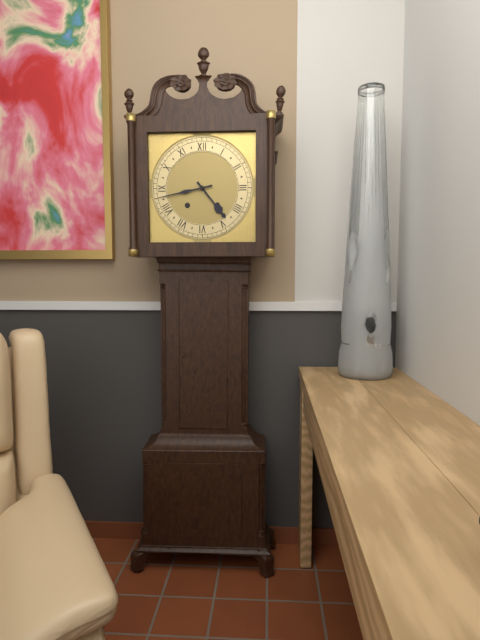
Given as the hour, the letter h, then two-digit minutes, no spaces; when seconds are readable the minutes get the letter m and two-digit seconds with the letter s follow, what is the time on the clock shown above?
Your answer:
4h43
